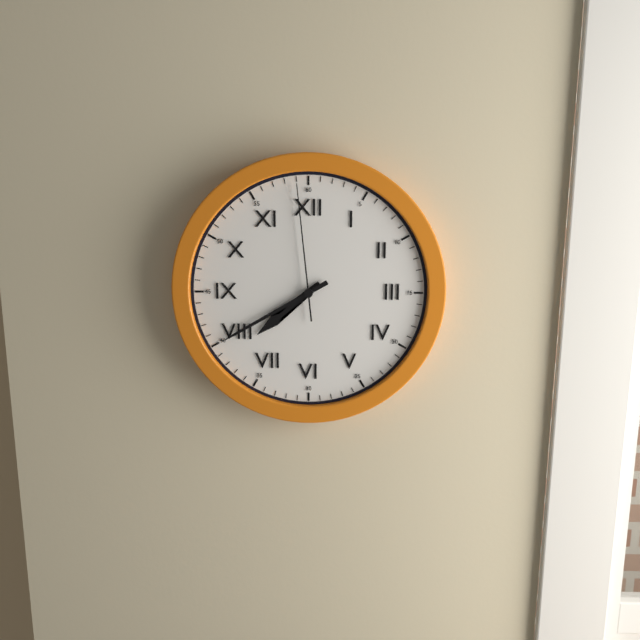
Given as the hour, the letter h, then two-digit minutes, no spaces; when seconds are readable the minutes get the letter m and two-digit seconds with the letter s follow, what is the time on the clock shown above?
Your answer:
7h40m59s
